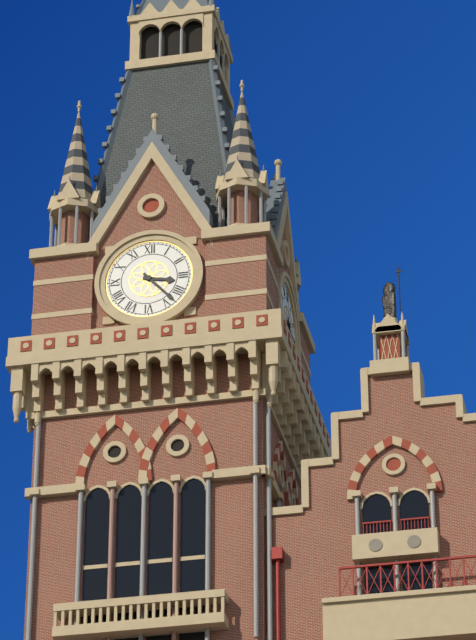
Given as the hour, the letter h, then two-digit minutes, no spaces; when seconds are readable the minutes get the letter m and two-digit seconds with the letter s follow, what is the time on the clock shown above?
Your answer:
3h23
